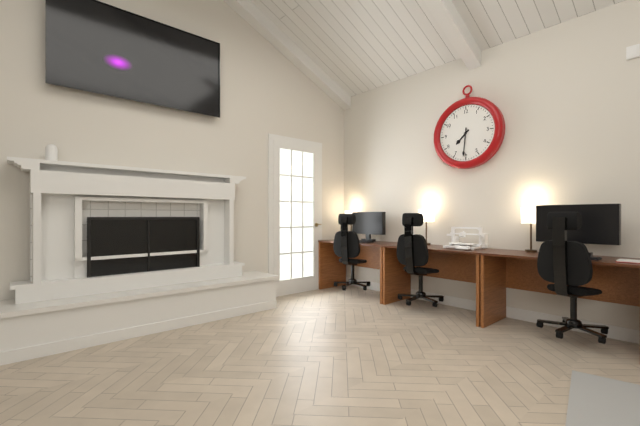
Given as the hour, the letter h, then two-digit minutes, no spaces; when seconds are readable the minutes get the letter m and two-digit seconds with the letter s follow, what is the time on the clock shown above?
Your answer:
7h31
